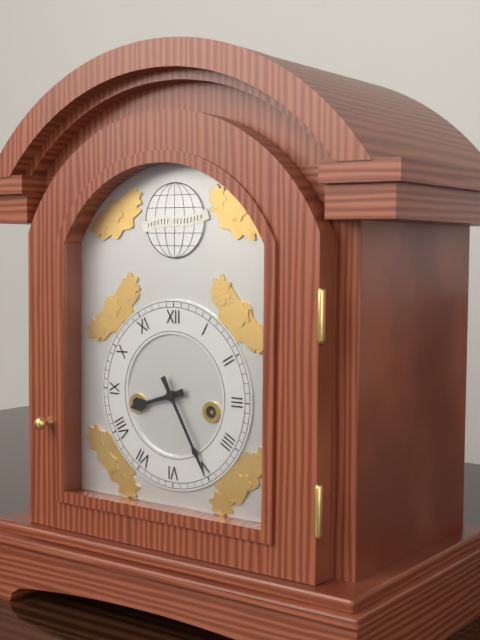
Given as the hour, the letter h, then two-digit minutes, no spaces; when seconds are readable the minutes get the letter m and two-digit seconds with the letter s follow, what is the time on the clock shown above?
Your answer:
8h25
